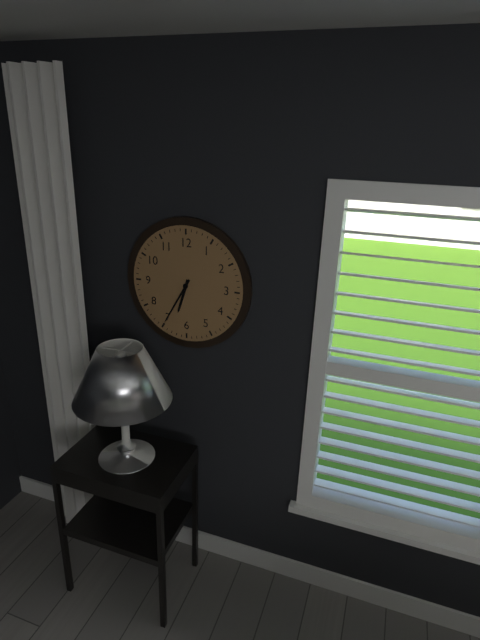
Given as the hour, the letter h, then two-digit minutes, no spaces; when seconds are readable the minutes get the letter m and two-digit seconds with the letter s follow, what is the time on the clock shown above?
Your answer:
6h35
